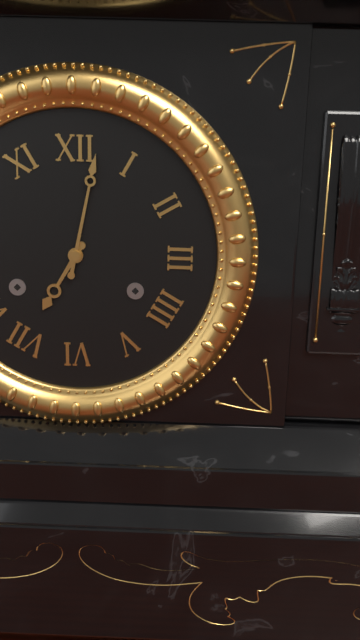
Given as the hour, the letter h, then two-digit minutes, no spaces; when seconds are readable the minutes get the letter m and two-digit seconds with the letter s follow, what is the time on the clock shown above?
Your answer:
7h02
